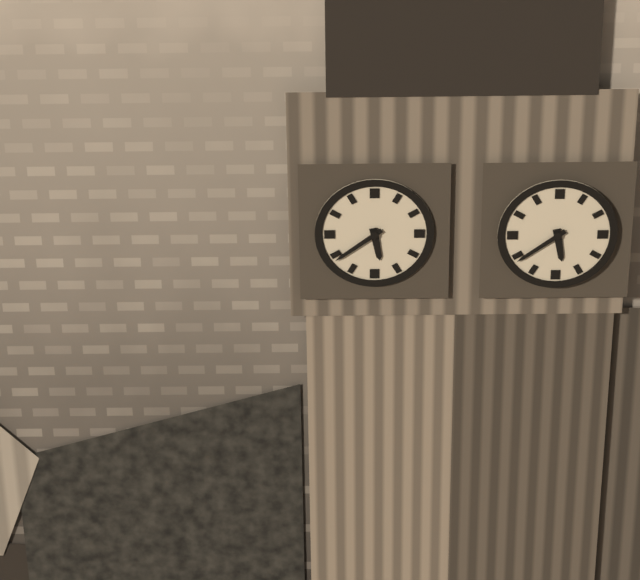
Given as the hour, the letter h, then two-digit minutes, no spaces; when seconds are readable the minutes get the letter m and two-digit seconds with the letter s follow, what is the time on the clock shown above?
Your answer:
5h39
